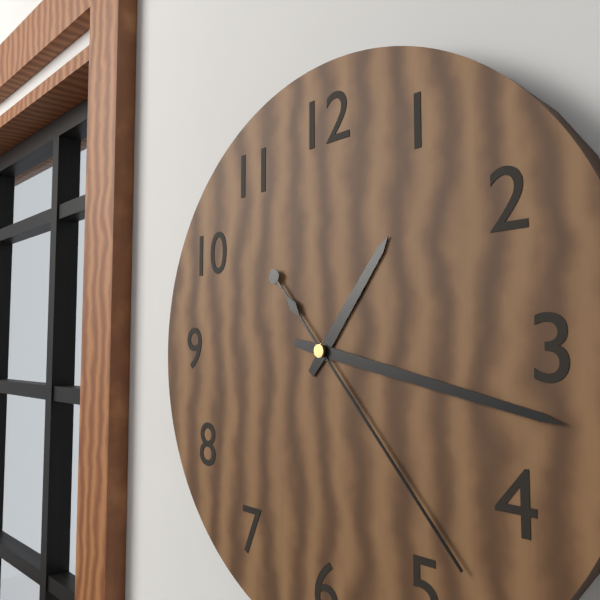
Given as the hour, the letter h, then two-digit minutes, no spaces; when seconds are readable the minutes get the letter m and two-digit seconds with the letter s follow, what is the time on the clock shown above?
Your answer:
1h17m23s
